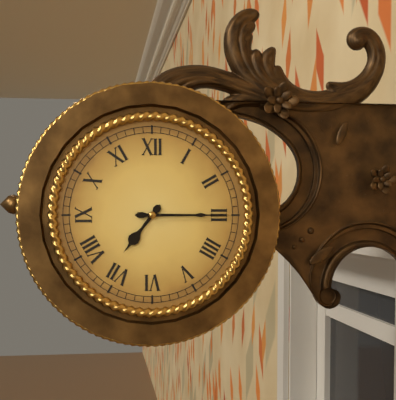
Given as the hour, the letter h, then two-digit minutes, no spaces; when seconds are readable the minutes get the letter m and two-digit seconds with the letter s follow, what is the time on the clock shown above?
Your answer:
7h15
